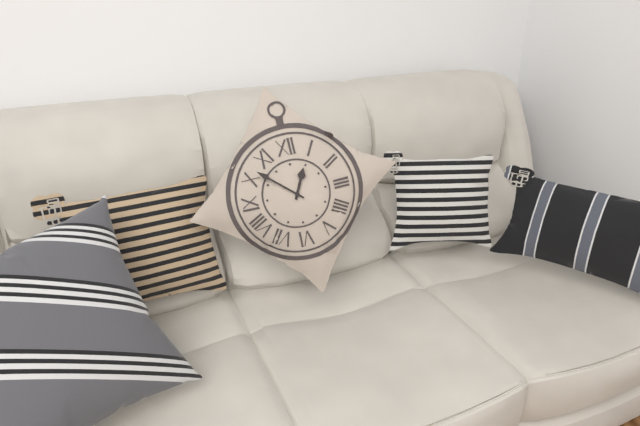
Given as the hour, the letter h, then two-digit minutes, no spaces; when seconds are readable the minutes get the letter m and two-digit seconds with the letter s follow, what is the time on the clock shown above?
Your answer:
12h52
